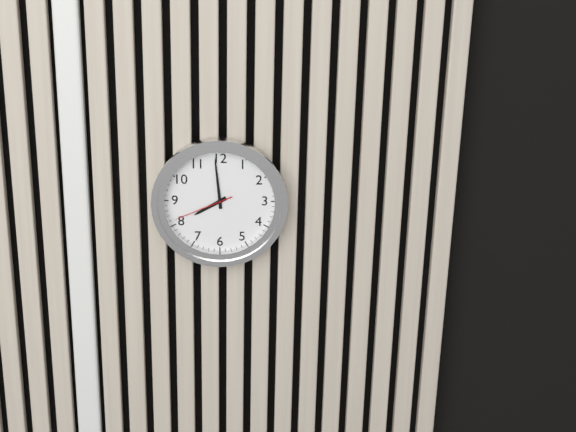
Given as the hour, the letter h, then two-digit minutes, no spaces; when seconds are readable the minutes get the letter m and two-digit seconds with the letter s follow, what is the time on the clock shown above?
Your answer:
7h59m41s
